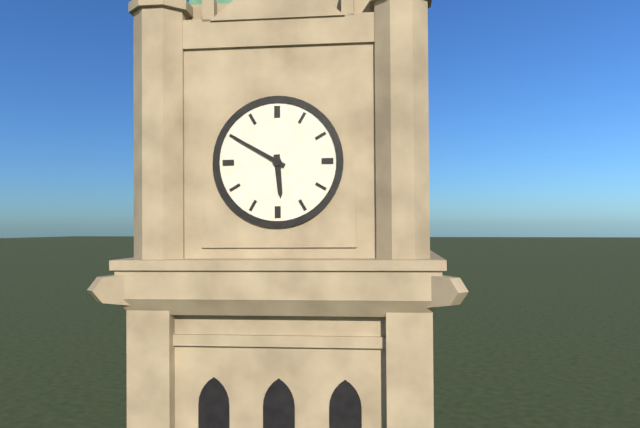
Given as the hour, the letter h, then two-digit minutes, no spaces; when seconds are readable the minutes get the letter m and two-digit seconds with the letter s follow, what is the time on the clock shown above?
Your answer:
5h50
